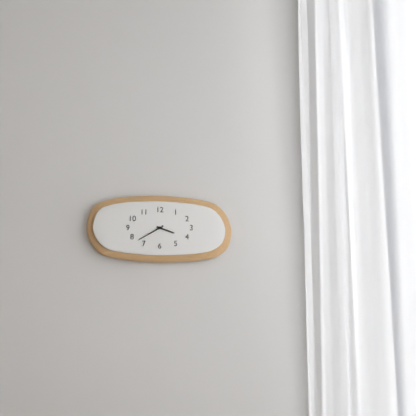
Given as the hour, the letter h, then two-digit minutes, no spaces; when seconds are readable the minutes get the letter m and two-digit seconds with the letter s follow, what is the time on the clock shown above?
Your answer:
3h40
